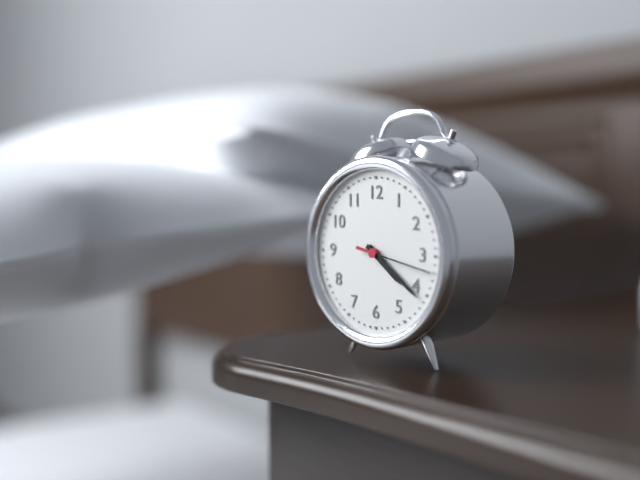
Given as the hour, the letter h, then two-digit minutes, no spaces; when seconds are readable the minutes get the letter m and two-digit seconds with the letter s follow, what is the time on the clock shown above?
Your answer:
4h21m17s
